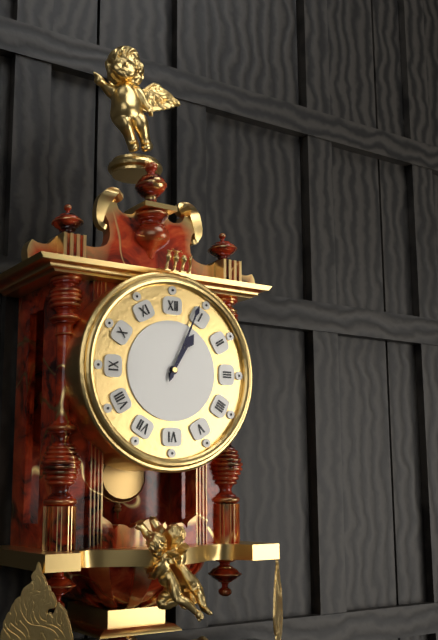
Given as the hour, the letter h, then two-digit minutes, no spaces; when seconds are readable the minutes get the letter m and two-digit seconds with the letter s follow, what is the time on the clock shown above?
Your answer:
1h04
